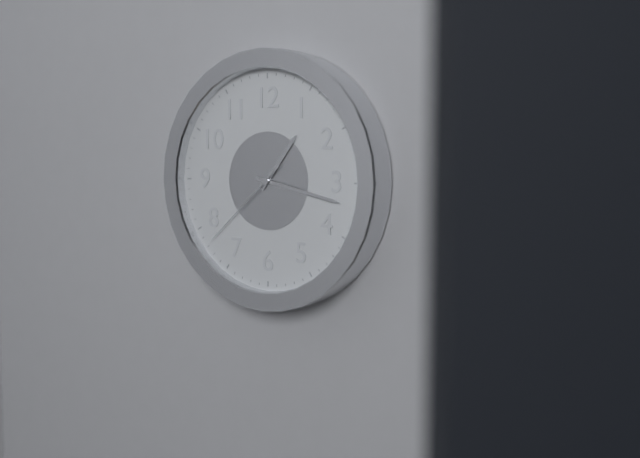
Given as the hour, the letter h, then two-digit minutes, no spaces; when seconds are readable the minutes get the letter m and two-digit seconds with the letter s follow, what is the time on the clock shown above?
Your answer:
1h17m38s
